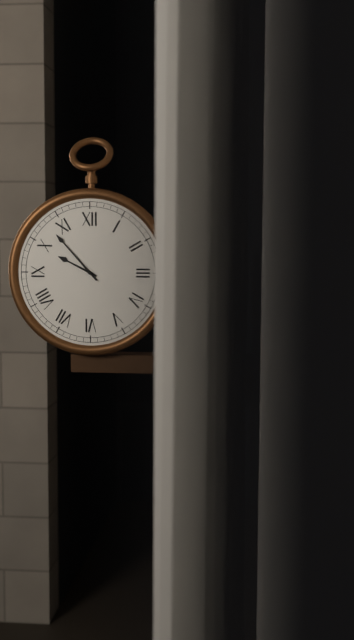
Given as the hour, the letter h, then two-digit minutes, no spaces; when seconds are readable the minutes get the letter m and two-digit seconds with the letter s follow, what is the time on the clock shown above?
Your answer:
9h53
